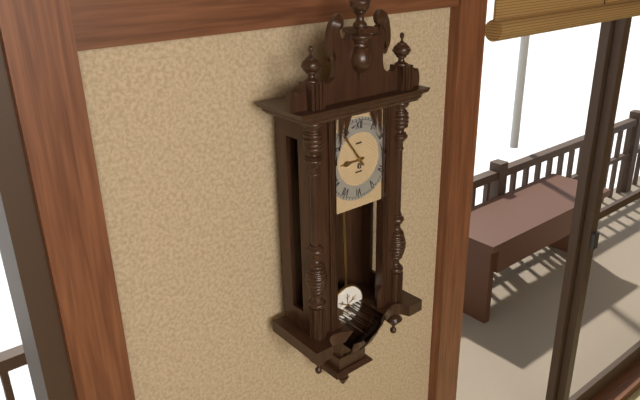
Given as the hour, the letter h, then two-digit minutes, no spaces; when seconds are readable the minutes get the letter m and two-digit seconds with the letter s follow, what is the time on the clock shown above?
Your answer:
8h54
